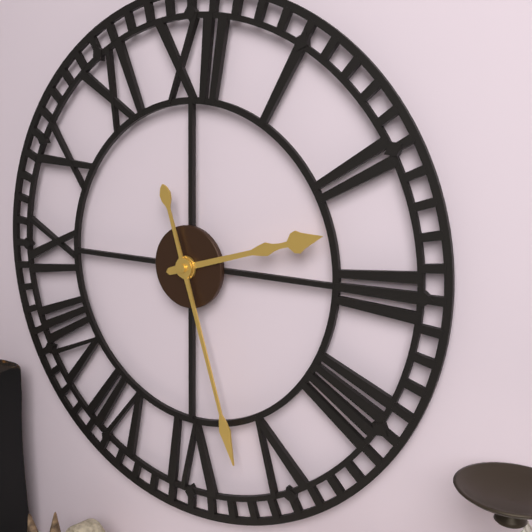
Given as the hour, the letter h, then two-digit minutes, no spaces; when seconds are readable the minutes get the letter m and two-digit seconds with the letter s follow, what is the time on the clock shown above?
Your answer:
2h27
